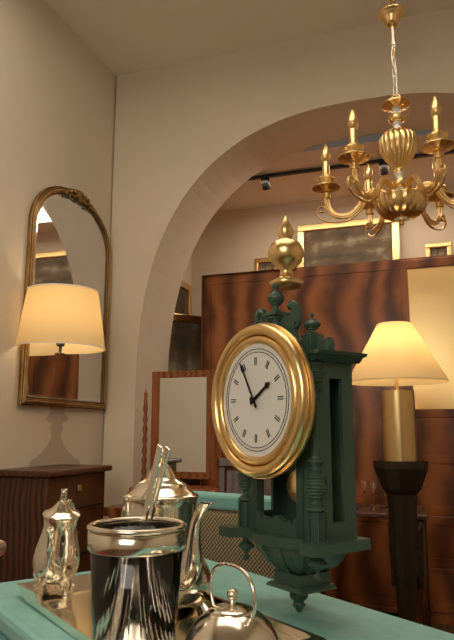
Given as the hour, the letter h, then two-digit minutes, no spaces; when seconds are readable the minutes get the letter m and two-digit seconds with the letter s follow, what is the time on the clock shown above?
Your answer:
1h55
